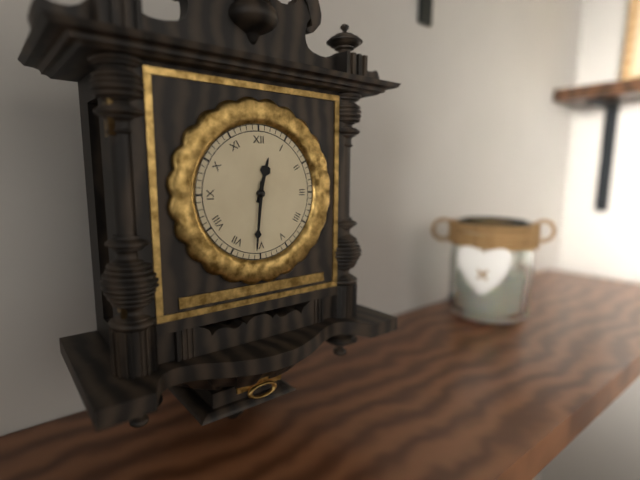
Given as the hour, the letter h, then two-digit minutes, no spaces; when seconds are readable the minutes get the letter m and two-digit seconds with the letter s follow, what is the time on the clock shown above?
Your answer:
12h31
